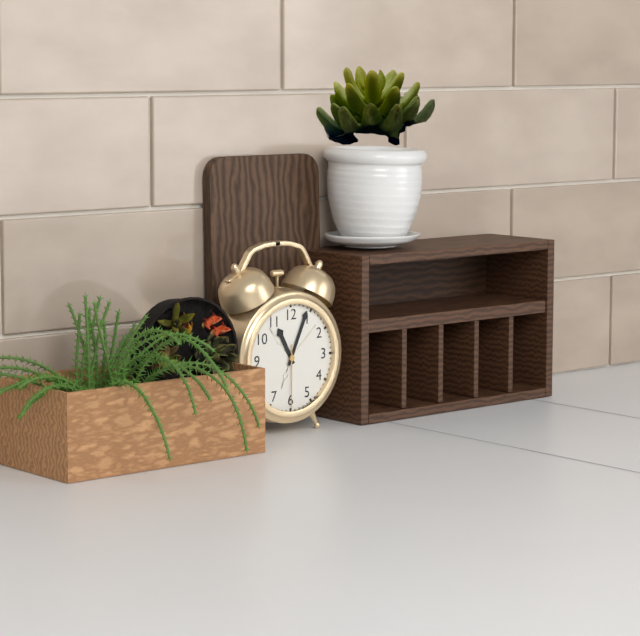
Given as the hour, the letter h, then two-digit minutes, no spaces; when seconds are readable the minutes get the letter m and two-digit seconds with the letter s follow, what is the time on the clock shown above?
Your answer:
11h04m30s
